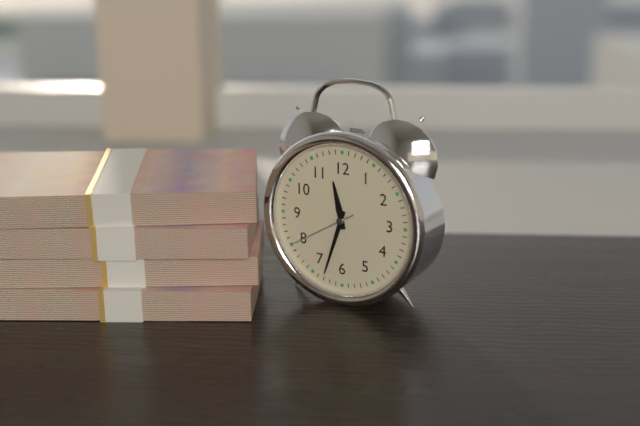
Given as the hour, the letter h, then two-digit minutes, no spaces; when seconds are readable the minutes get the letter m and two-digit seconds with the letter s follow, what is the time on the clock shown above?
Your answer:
11h33m40s
